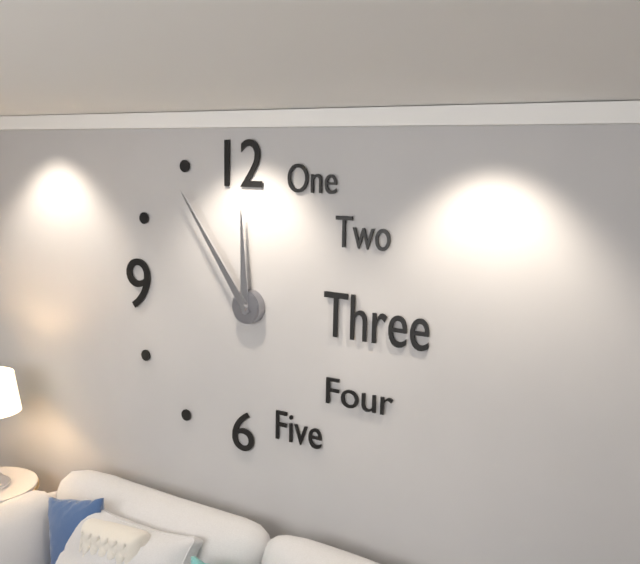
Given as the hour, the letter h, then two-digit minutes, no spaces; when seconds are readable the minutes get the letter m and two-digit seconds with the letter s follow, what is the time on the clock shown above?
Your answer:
11h54
